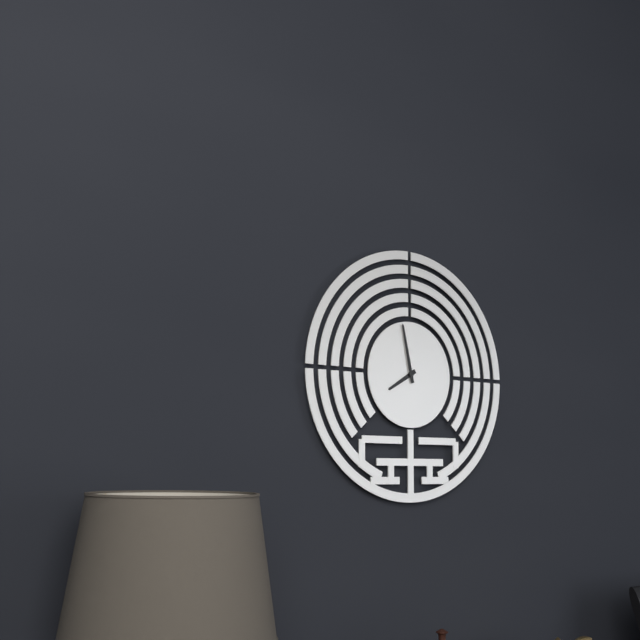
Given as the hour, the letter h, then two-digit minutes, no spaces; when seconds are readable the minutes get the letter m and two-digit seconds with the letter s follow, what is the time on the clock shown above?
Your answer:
7h58
